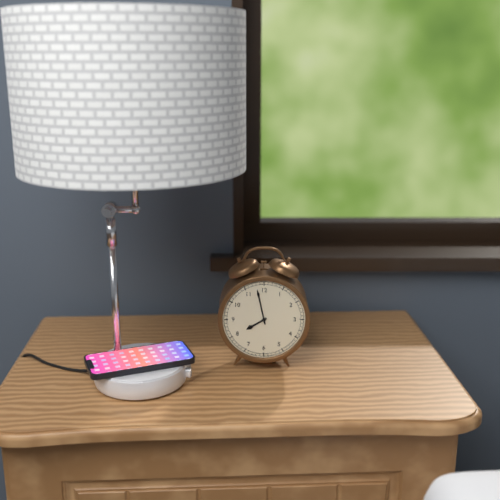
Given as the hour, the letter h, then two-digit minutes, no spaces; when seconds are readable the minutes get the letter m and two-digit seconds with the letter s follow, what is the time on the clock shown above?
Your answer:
7h58
